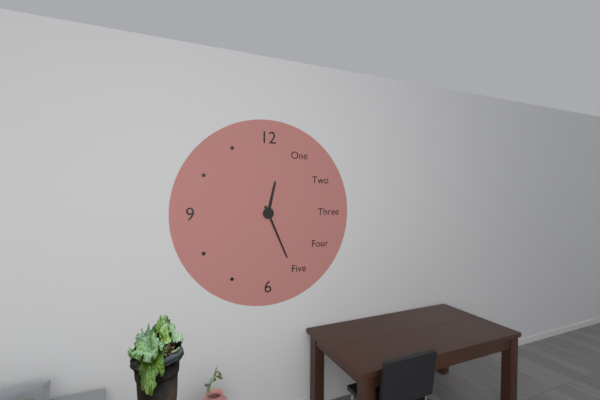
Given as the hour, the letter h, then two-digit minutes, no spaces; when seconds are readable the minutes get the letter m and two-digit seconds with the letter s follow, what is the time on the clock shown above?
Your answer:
12h26
